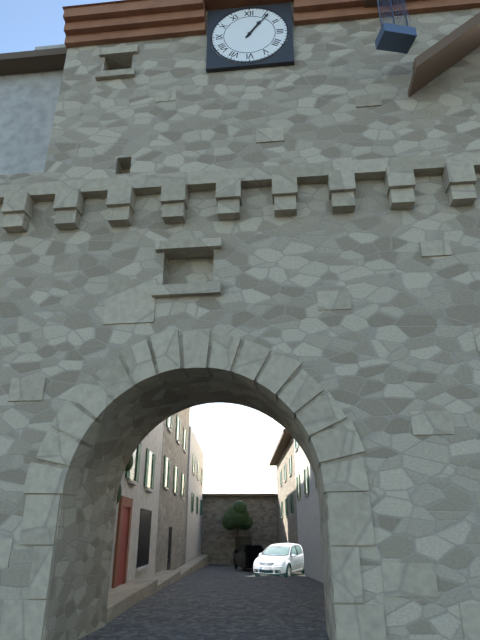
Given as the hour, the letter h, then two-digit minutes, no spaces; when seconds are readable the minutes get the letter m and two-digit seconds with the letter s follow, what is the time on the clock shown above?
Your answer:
1h06
